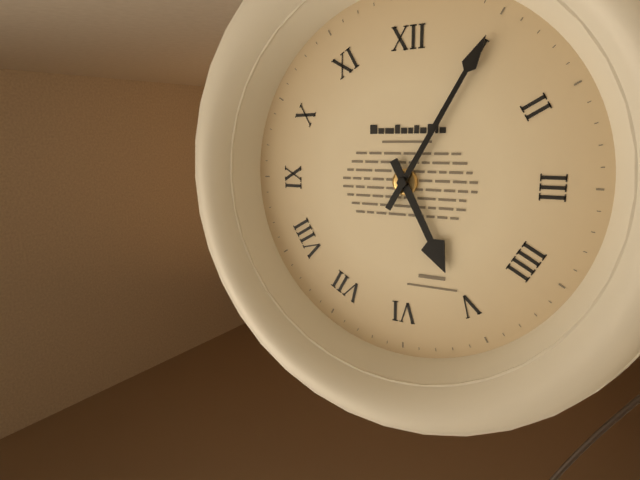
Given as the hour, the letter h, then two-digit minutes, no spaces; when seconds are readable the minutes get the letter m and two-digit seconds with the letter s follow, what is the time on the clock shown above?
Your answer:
5h05
